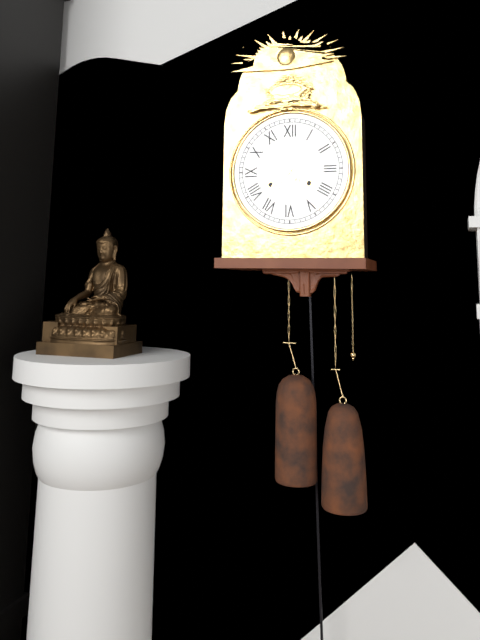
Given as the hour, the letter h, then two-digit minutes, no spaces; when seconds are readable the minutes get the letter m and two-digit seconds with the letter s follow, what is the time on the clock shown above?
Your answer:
7h24
